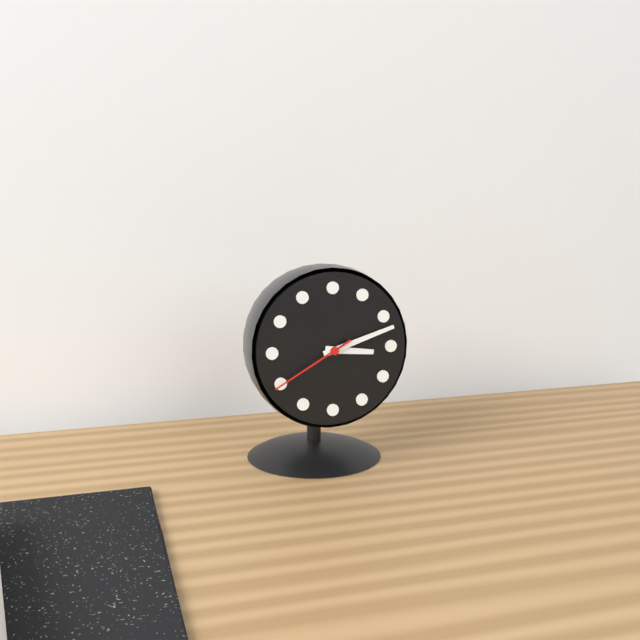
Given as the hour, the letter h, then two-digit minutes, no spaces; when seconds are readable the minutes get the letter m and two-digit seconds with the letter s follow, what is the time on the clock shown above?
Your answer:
3h12m40s
